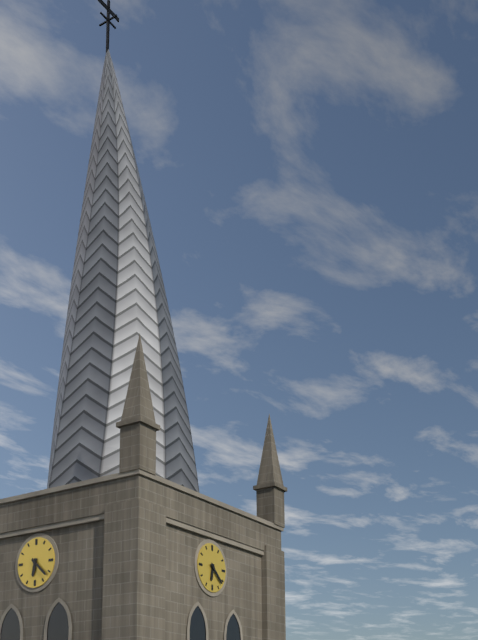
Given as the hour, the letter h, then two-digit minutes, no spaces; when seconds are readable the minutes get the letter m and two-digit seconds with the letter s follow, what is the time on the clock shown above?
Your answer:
6h22
